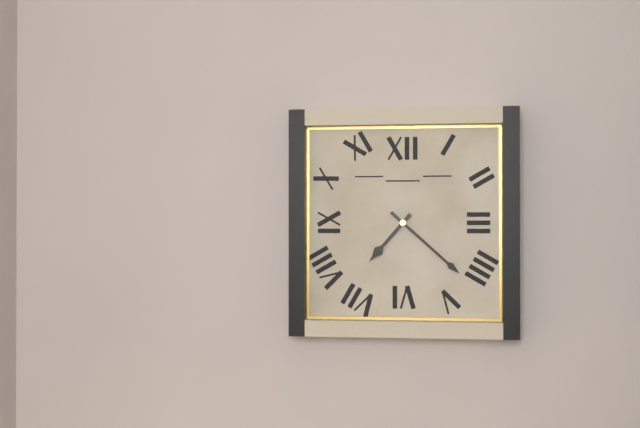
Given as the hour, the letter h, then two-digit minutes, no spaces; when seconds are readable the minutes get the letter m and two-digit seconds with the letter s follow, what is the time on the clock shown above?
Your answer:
7h22
